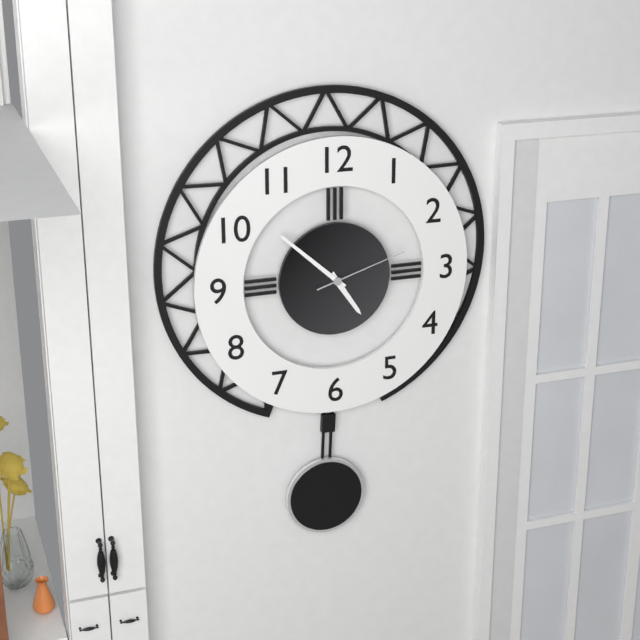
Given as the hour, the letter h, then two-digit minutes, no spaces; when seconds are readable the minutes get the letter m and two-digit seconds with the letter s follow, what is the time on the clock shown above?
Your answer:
4h52m12s
